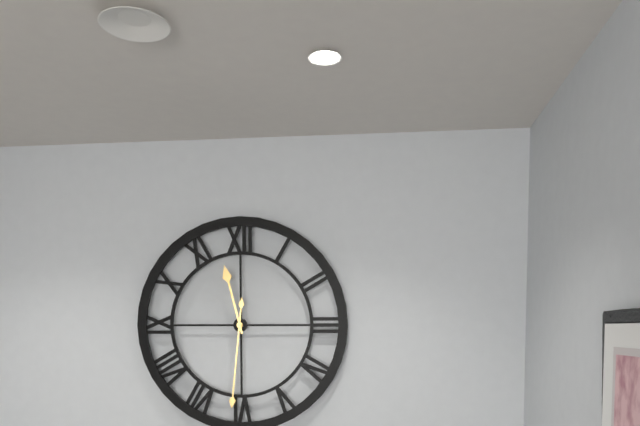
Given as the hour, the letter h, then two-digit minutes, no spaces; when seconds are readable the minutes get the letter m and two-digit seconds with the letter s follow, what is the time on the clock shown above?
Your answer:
11h31
